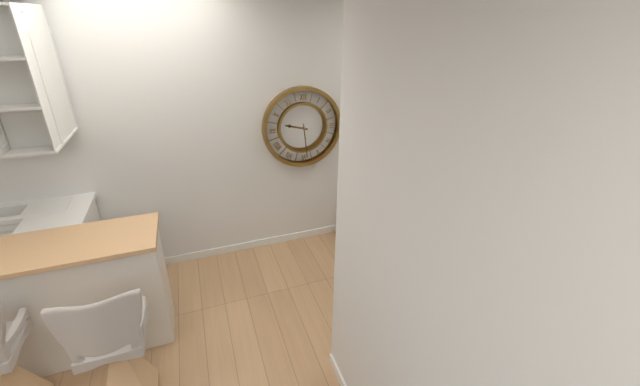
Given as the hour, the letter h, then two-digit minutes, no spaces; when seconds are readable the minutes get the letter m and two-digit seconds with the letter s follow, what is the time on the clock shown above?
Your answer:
9h29
